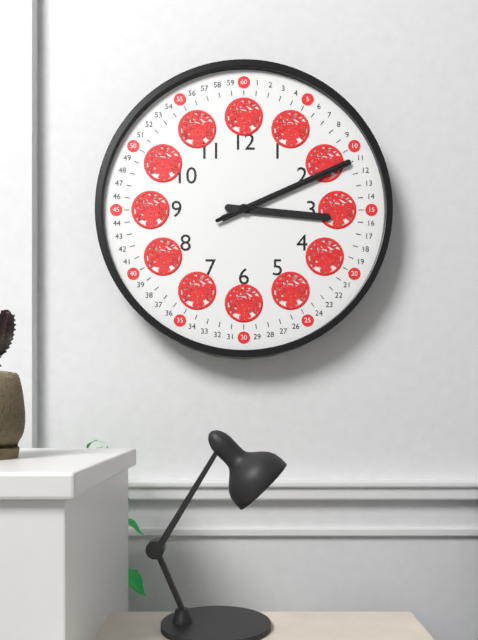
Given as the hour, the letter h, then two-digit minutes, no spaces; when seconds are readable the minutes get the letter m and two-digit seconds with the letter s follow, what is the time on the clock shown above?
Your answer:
3h11m11s
